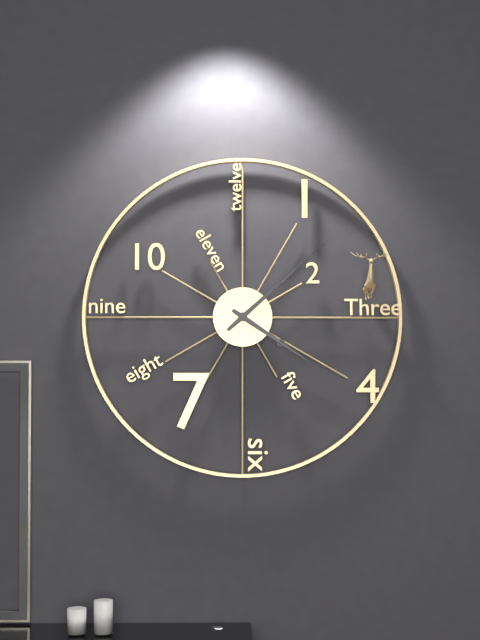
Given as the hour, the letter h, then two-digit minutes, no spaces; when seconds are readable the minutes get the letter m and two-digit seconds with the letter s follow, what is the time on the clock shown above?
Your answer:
4h08
